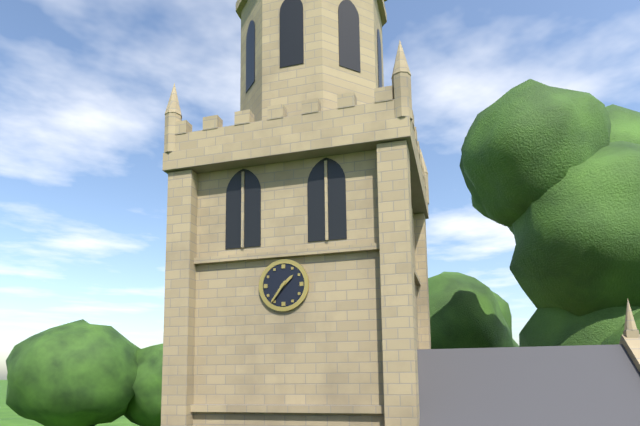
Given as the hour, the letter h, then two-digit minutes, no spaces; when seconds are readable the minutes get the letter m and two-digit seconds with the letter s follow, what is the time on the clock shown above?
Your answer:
1h36
